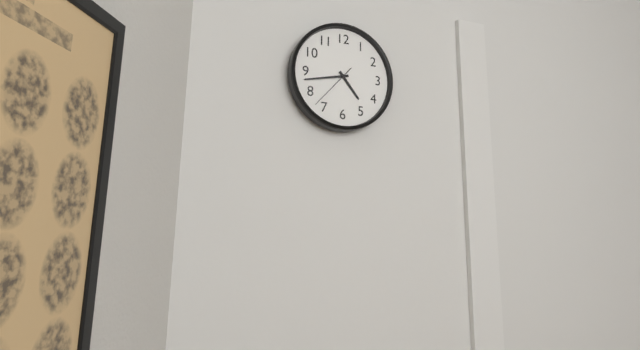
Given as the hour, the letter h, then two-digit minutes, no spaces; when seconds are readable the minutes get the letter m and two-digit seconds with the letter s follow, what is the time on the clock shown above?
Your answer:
4h43m37s
